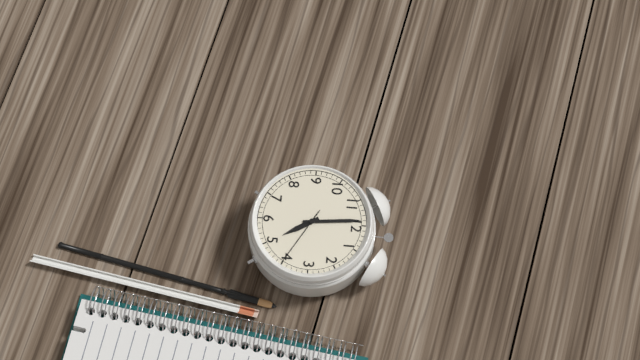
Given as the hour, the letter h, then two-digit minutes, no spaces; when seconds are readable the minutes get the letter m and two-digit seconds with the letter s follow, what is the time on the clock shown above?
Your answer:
4h59m20s
